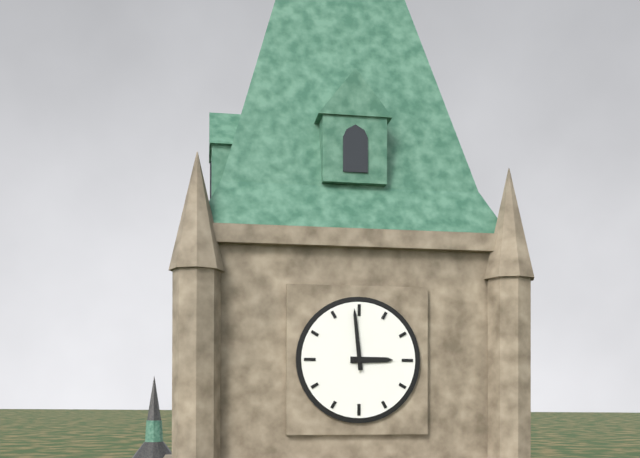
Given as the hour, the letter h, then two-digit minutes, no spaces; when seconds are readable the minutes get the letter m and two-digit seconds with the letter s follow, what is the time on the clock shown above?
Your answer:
2h59
